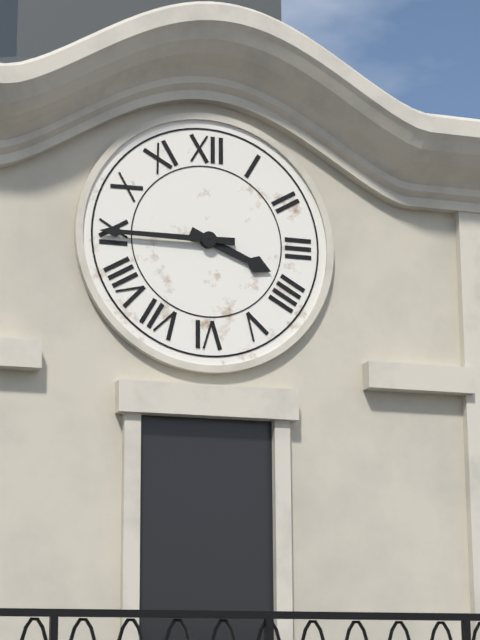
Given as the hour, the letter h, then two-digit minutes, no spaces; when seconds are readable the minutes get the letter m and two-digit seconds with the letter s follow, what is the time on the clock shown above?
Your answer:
3h45
